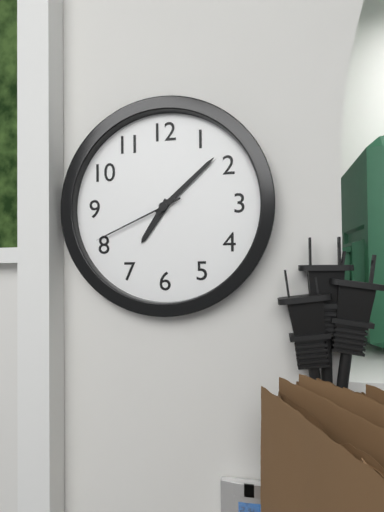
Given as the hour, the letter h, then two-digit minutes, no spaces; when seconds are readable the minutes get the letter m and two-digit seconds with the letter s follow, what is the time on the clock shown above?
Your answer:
7h08m41s
